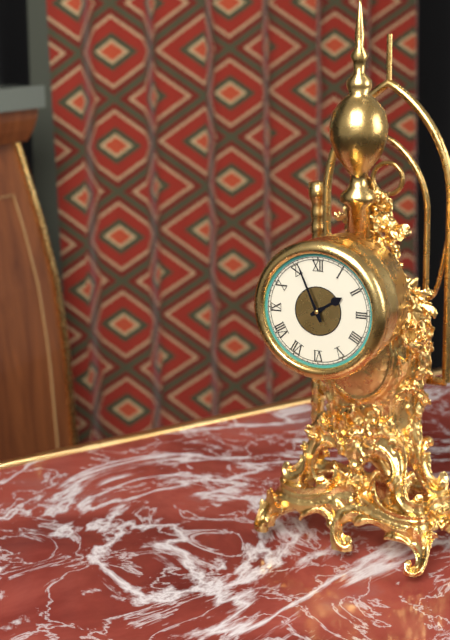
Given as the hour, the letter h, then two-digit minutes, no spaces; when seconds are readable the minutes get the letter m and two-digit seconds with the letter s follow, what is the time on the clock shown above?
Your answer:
1h56
